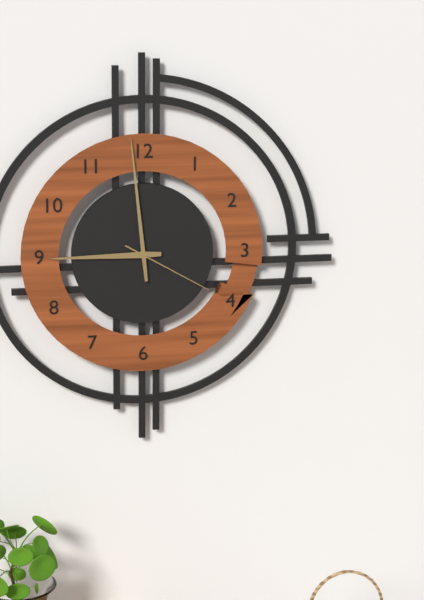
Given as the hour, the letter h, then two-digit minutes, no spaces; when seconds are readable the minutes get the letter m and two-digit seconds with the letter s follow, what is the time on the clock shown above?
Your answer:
8h59m20s
